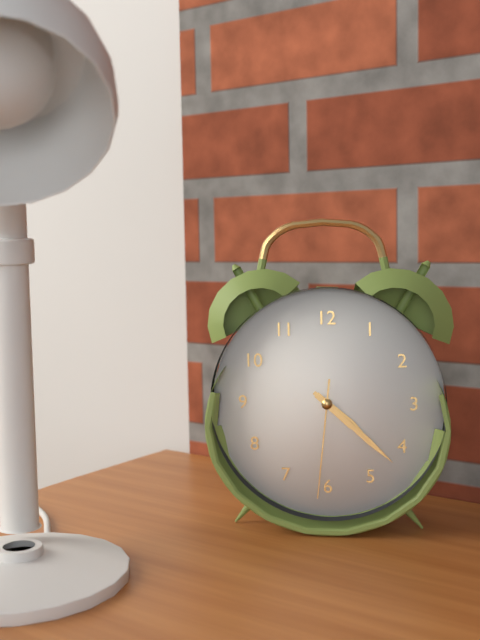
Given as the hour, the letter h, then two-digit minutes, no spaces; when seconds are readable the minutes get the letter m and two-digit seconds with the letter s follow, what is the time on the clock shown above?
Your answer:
4h22m31s
